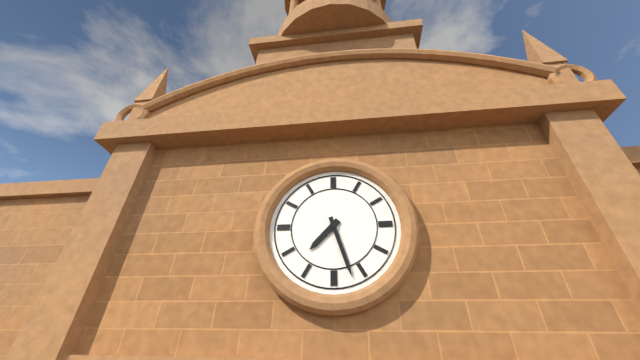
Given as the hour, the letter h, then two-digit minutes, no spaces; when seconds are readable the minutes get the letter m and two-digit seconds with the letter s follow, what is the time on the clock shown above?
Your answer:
7h27
